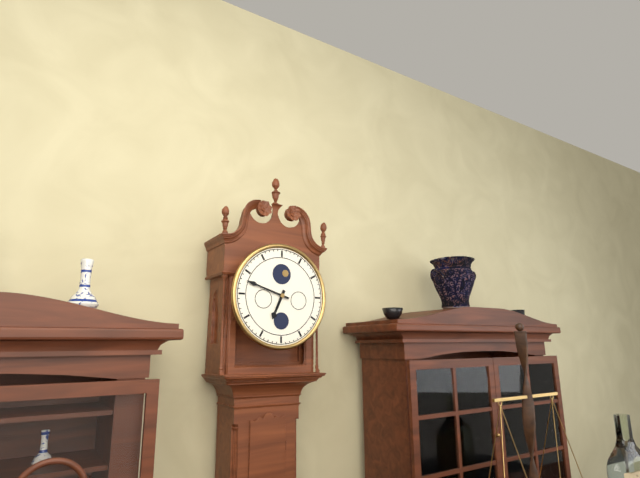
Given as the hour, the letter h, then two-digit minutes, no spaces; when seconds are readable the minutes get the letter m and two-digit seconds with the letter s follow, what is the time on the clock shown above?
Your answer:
6h48
